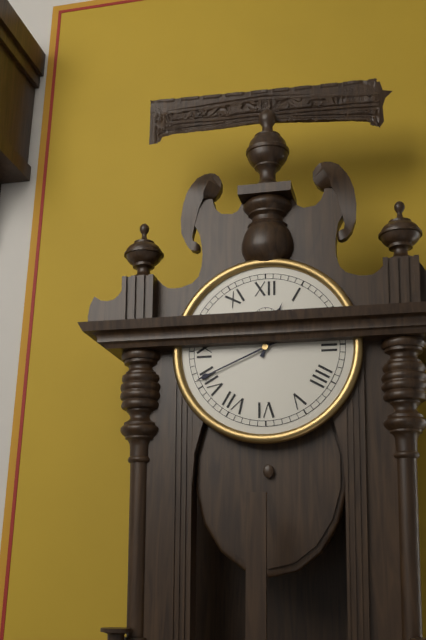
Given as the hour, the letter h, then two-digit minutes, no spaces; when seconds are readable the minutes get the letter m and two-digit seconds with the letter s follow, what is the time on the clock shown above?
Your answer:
12h41
